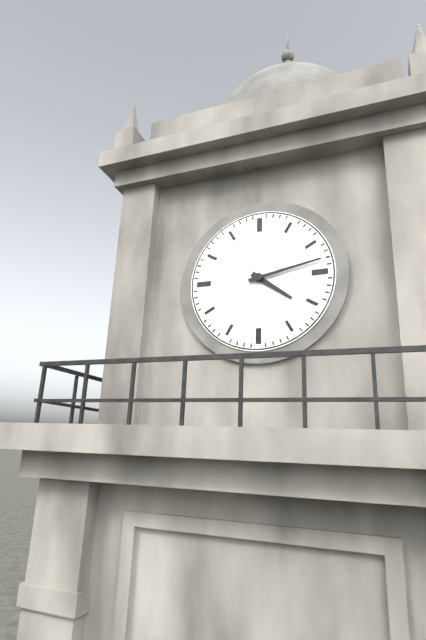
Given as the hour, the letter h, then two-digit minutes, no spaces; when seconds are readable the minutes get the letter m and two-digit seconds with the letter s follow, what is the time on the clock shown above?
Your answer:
4h13
